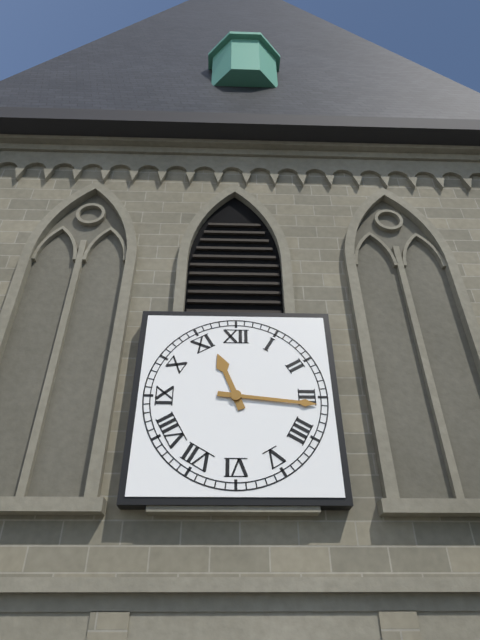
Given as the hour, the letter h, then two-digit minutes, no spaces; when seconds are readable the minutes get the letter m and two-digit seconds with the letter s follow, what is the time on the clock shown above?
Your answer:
11h16
